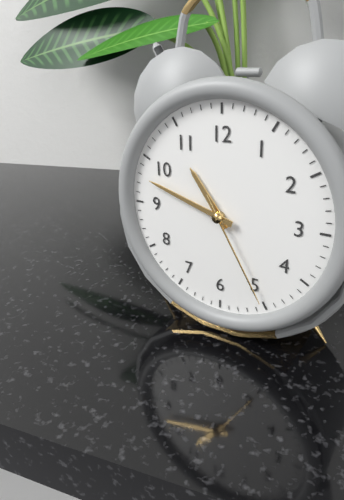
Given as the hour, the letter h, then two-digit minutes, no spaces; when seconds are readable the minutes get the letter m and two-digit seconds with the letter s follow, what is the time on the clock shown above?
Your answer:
10h48m25s
